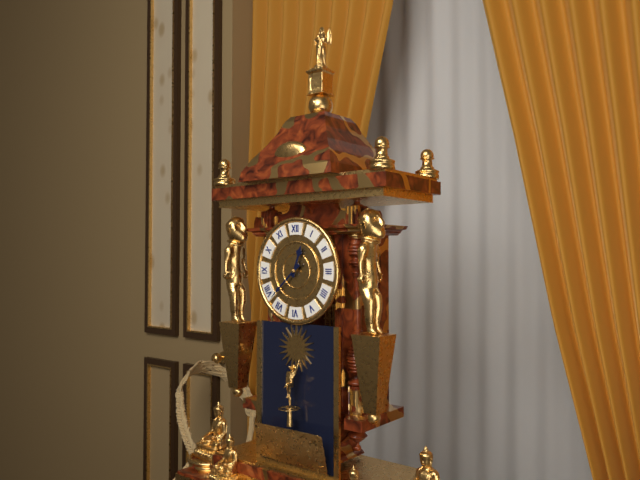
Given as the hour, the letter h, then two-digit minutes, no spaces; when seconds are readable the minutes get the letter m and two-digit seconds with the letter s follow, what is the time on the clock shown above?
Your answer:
12h38
